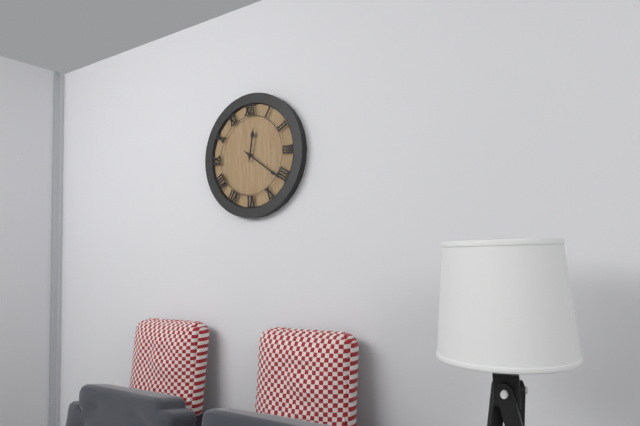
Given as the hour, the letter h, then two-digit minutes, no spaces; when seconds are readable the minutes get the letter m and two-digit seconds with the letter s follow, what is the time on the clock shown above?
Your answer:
12h21
